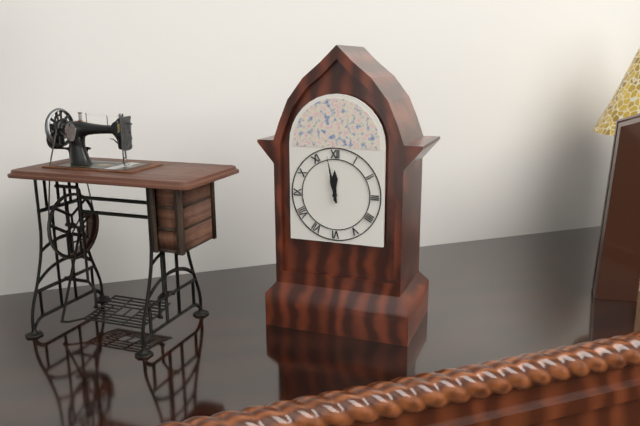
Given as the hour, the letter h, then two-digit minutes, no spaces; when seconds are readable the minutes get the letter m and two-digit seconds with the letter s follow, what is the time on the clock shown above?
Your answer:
11h58
